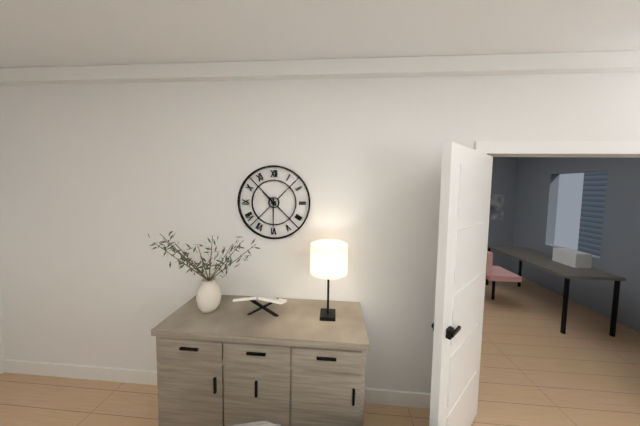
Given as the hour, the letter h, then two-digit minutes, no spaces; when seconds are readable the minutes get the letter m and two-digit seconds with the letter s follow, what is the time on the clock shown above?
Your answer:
10h30
